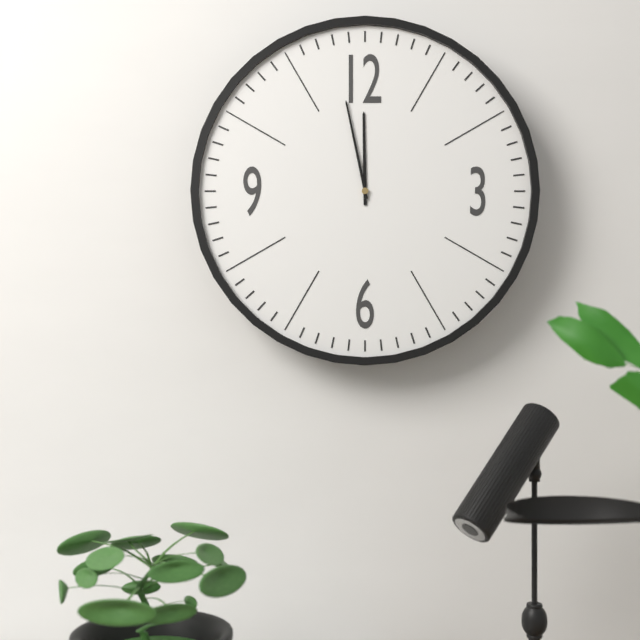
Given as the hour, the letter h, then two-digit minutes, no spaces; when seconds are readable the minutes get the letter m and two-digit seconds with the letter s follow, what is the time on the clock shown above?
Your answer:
11h58
